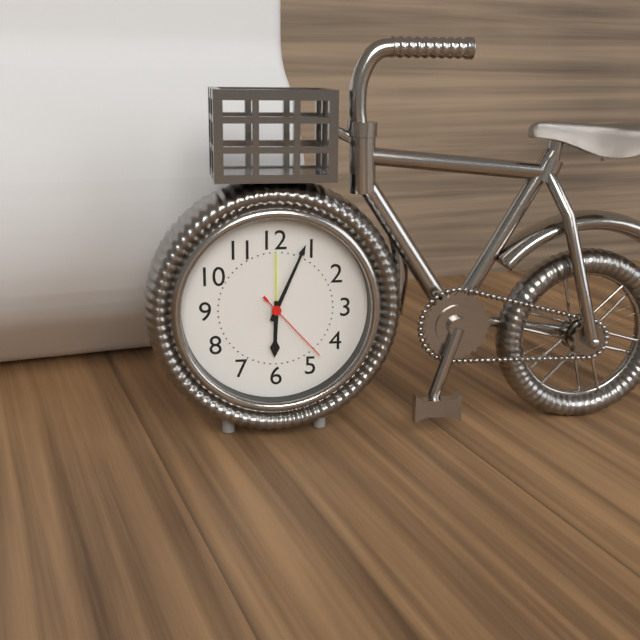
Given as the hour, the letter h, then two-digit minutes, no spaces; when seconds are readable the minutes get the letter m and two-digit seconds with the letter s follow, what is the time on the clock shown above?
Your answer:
6h04m23s
